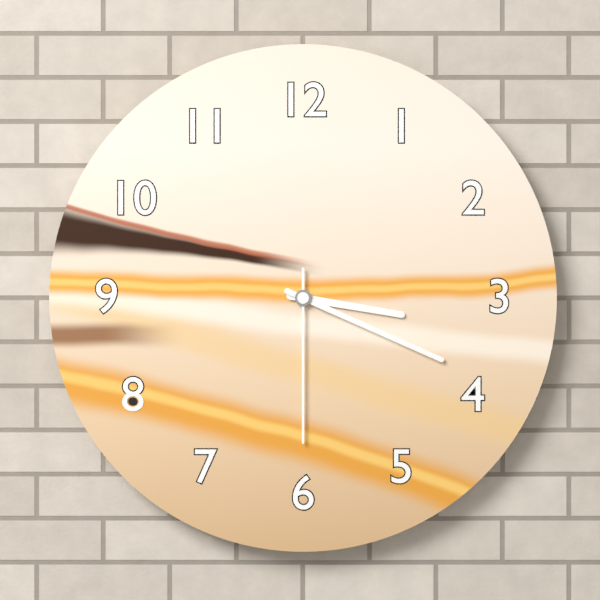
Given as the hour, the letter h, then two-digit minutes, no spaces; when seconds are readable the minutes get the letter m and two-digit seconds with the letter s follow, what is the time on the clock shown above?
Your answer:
3h19m30s
